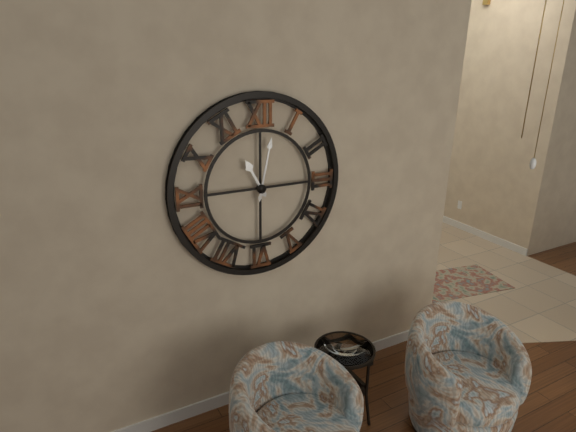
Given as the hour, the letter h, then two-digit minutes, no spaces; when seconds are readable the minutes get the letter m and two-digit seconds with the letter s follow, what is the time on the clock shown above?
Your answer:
11h02
